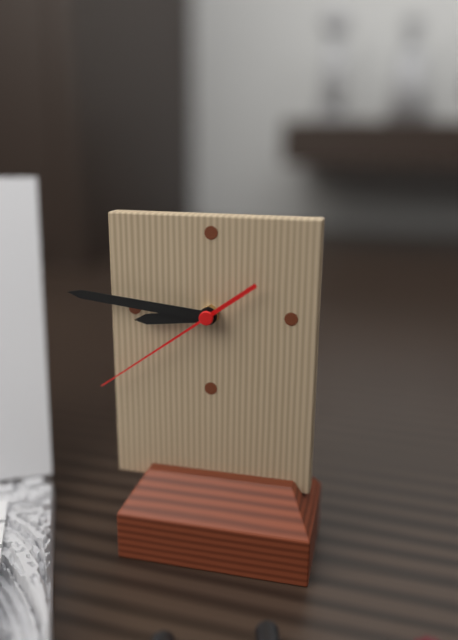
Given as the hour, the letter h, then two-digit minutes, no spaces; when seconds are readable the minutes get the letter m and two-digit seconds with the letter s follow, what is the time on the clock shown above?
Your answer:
8h46m39s
